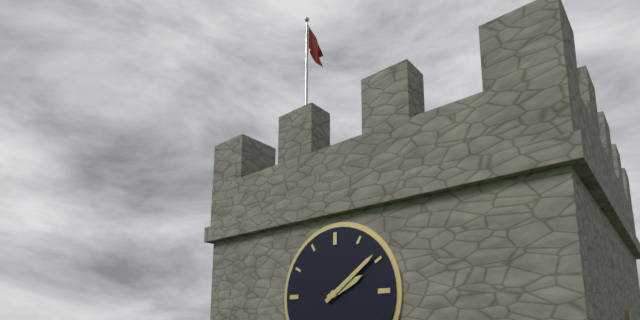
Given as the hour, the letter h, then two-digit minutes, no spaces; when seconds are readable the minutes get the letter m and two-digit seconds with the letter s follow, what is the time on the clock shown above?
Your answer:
2h09
